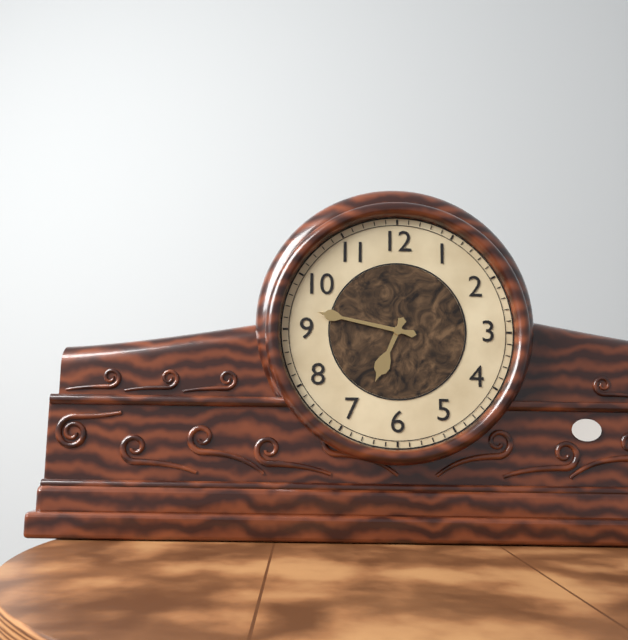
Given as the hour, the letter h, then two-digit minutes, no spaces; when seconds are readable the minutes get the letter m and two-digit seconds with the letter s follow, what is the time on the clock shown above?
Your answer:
6h47
